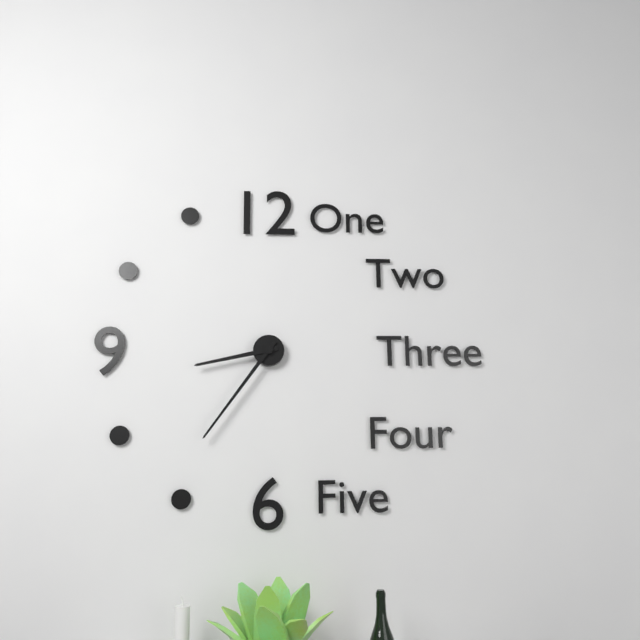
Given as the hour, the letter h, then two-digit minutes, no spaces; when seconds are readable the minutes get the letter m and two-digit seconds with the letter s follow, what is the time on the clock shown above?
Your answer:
8h36
